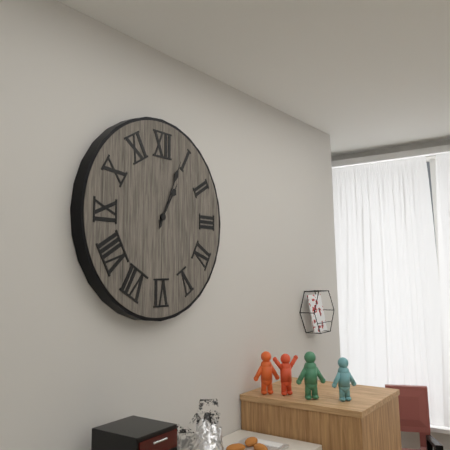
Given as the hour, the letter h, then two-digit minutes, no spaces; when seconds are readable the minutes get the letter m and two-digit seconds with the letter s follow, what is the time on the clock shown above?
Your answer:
1h04
